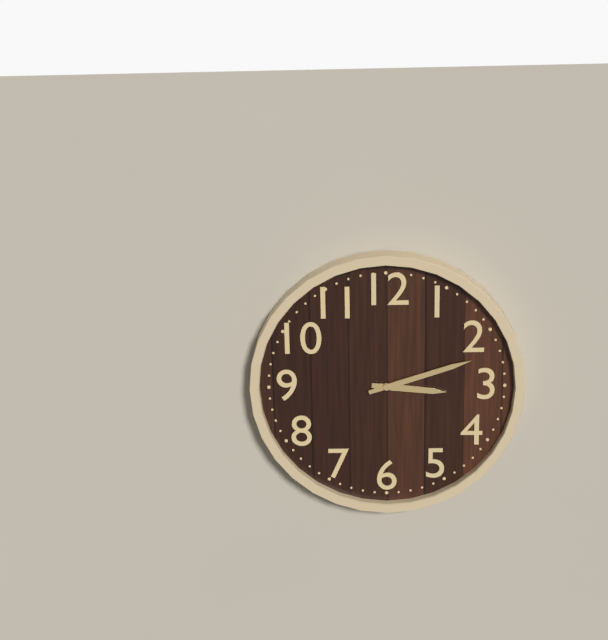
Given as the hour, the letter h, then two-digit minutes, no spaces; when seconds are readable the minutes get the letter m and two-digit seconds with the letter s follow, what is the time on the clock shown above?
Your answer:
3h12
